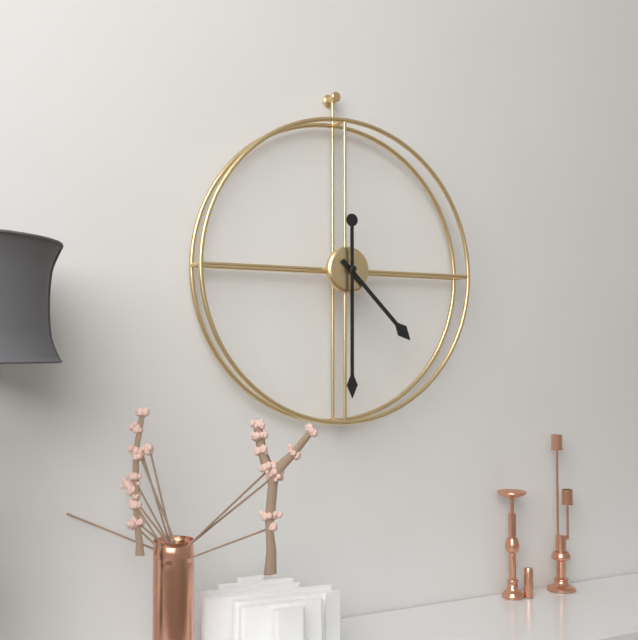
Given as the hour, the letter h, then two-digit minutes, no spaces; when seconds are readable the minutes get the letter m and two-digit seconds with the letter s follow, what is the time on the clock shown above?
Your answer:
4h30
